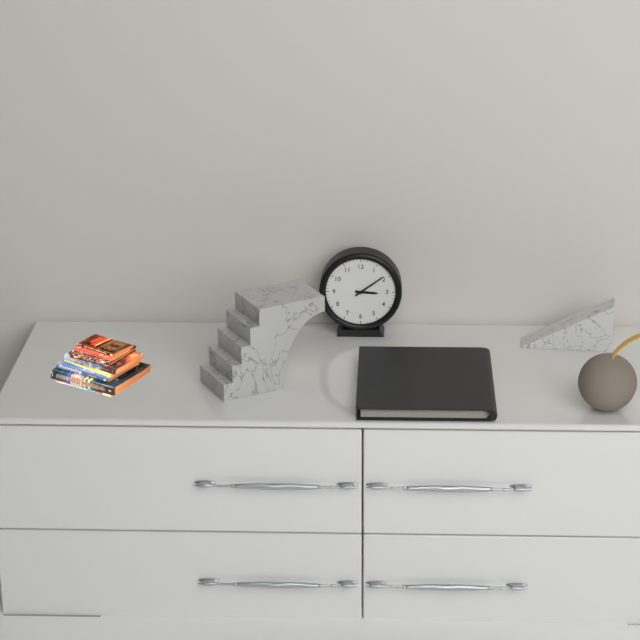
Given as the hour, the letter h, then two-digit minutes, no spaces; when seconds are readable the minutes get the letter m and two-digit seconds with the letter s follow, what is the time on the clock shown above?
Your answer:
3h09
